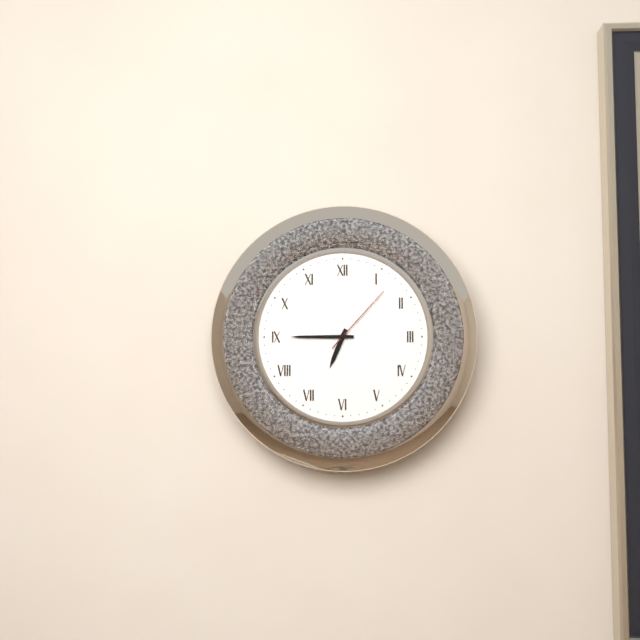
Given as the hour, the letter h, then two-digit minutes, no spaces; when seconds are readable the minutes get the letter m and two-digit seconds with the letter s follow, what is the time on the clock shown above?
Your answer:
6h45m07s
